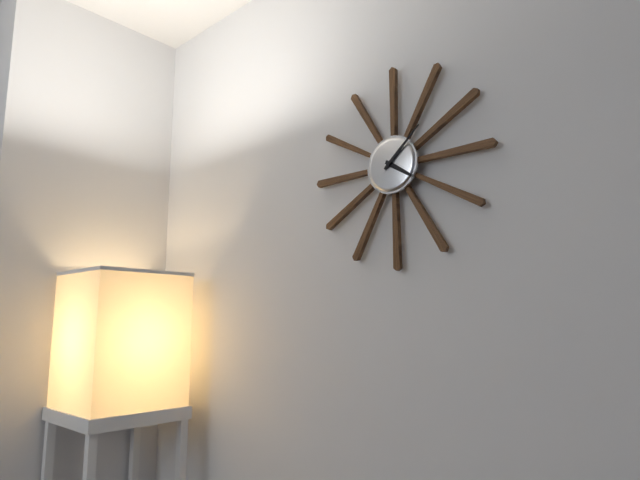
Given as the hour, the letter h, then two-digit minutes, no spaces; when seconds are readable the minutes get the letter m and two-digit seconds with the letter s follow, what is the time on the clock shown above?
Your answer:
4h08
